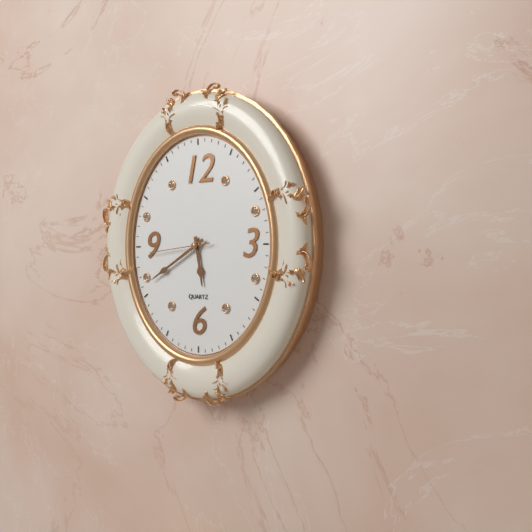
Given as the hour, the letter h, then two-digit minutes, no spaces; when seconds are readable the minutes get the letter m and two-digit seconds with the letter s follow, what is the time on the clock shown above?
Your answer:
5h40m44s
